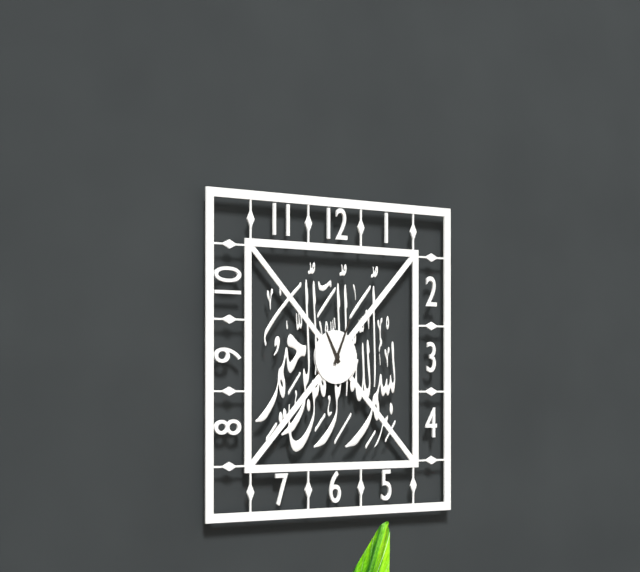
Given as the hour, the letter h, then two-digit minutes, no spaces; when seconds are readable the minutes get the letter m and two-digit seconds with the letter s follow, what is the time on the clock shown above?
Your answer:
11h04
